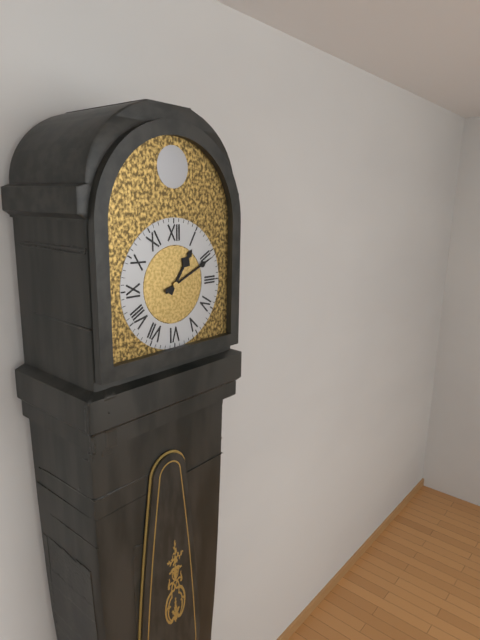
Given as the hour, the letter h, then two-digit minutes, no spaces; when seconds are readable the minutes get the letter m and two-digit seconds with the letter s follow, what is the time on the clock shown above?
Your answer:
1h11
